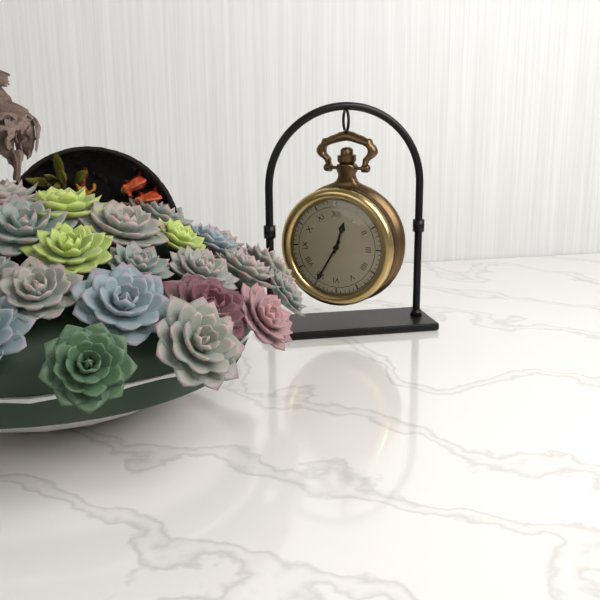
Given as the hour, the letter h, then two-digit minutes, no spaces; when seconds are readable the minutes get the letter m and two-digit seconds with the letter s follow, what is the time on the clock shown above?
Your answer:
12h35
